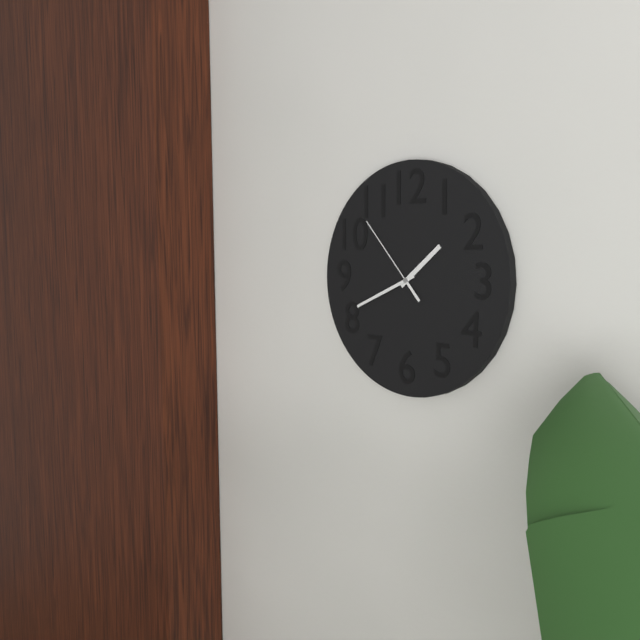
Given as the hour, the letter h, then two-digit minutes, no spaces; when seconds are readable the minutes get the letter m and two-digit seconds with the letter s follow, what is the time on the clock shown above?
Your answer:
1h41m53s
